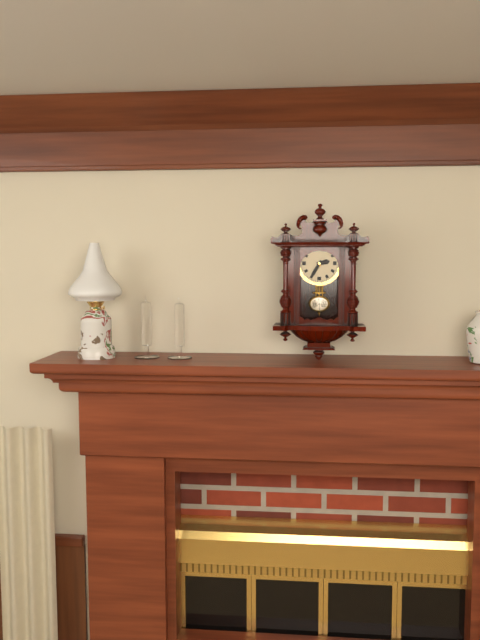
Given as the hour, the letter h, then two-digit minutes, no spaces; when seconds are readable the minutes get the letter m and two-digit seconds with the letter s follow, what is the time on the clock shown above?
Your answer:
2h35
